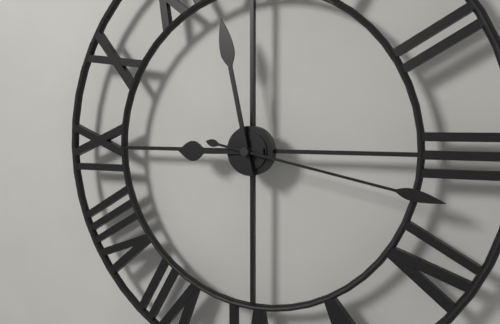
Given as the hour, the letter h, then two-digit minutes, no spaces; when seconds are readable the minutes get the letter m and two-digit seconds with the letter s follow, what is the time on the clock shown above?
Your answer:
8h58m17s
